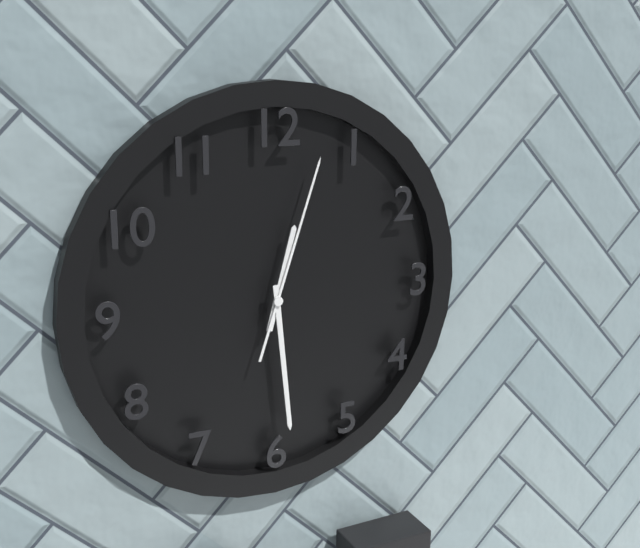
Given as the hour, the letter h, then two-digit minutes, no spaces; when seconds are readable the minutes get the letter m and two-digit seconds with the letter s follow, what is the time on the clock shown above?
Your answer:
12h29m03s
